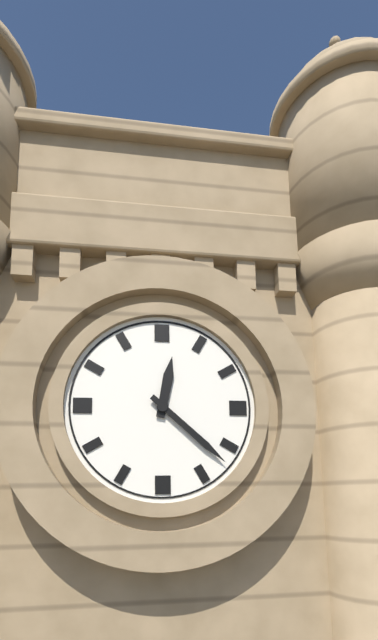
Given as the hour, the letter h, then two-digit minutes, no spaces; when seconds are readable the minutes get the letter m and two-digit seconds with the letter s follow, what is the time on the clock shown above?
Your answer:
12h22
